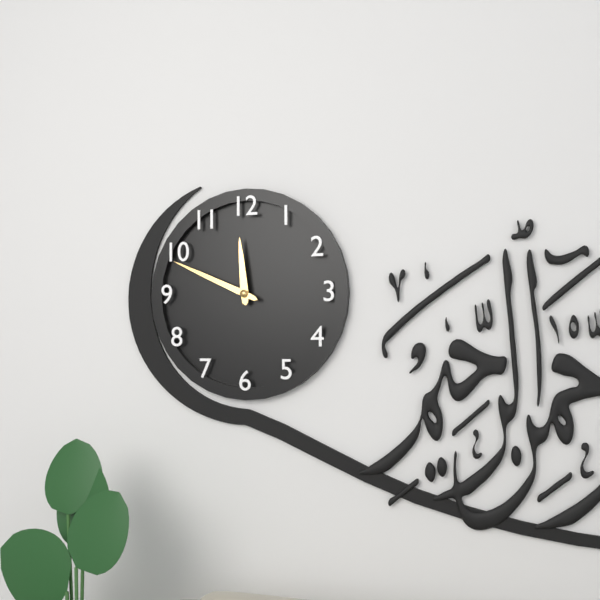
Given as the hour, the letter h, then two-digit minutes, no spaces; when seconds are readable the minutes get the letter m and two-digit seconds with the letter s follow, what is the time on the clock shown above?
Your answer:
11h49
